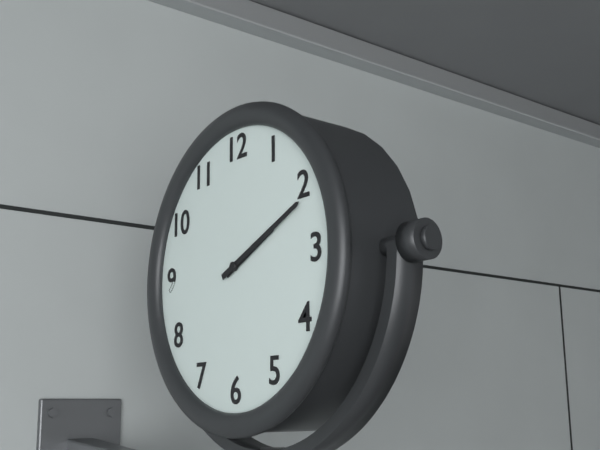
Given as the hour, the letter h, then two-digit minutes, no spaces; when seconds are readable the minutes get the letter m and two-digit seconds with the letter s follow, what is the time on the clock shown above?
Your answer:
2h11
